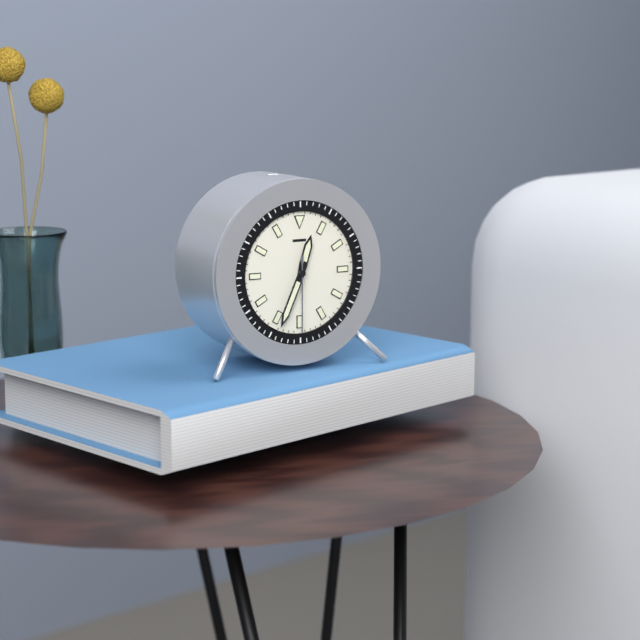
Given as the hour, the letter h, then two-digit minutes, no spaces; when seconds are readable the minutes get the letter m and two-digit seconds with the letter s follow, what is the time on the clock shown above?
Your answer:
12h34m30s
